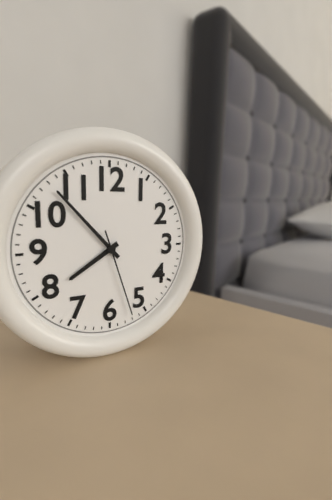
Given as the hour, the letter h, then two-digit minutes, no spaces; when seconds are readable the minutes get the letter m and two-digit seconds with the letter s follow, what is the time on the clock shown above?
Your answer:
7h53m27s
